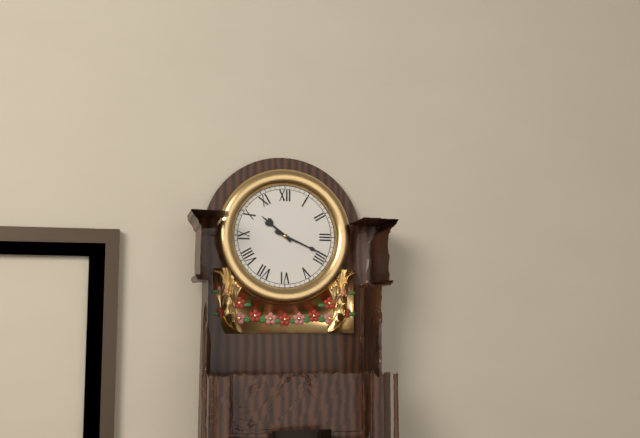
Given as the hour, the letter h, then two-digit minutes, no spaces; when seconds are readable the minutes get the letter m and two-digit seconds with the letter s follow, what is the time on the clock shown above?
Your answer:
10h19
